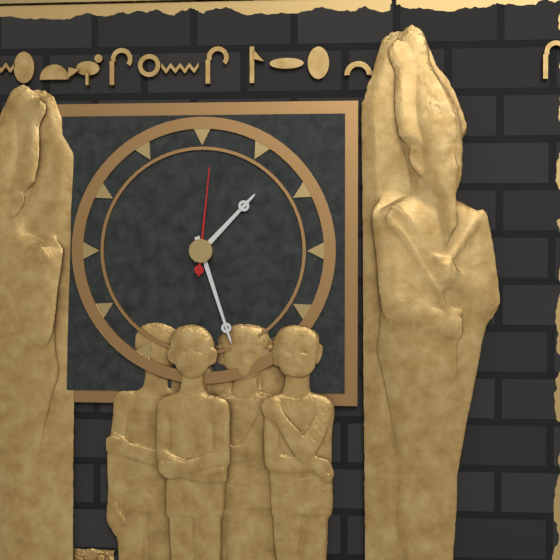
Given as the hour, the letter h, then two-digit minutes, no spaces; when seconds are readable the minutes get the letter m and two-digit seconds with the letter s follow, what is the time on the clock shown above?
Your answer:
1h27m01s
